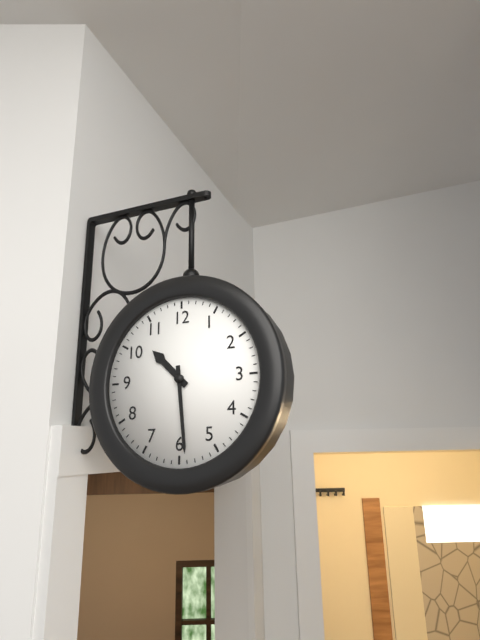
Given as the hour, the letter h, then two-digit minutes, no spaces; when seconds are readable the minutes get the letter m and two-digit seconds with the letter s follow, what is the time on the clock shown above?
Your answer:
10h29
